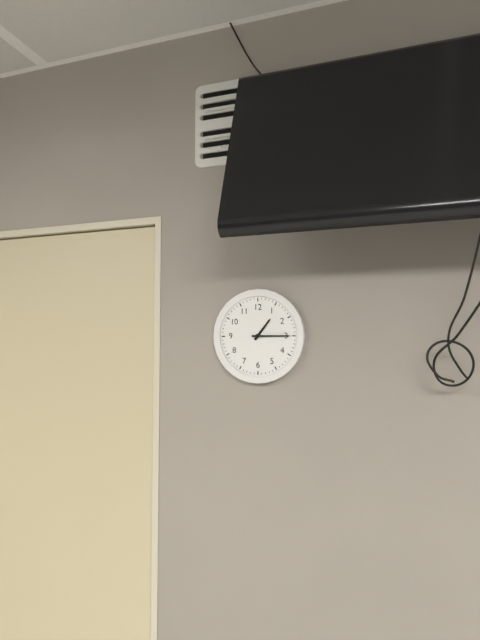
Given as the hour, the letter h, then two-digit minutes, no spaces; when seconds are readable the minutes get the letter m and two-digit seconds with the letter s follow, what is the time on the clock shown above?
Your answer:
1h15
